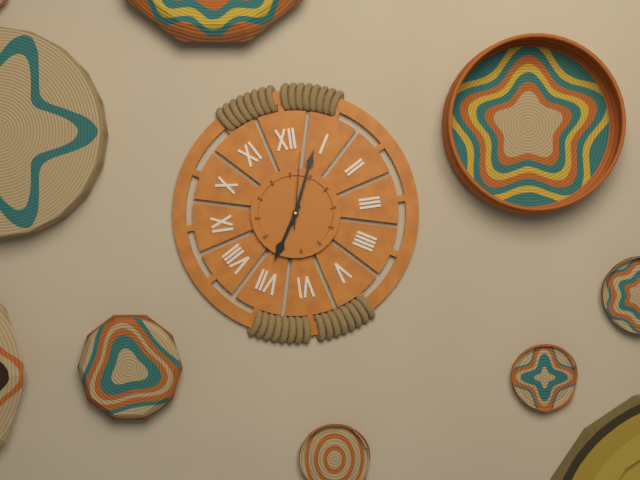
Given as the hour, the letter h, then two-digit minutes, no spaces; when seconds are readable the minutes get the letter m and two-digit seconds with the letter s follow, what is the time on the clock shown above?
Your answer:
7h04m02s
